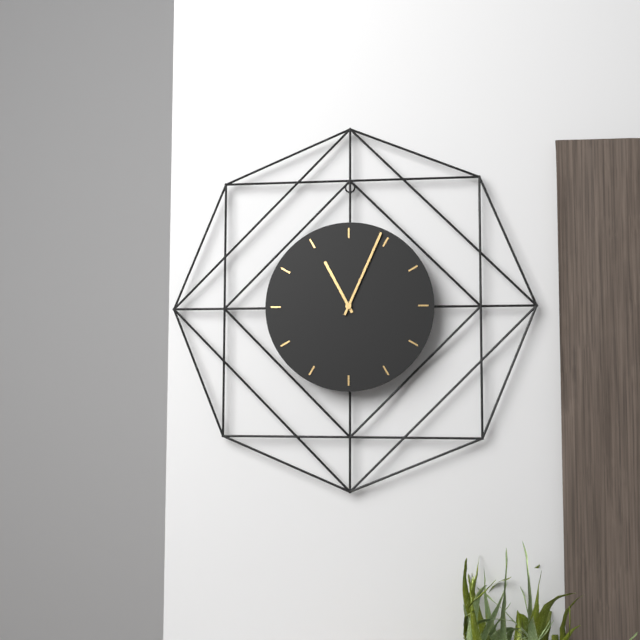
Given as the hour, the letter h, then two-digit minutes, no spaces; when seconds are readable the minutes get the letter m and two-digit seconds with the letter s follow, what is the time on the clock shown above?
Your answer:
11h04
